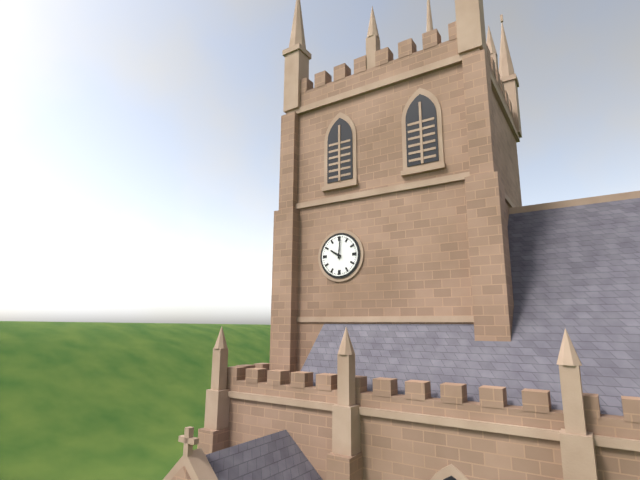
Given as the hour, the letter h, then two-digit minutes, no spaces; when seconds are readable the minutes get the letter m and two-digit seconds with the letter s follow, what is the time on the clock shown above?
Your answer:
10h01
